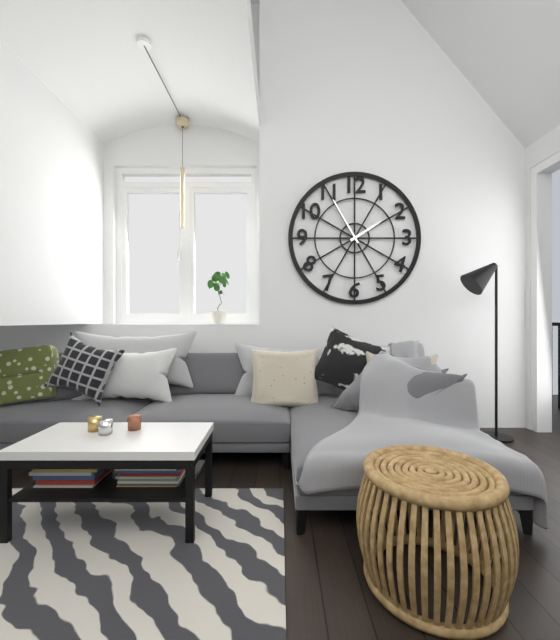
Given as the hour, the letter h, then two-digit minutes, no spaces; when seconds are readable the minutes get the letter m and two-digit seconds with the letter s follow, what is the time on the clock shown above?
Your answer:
1h55
